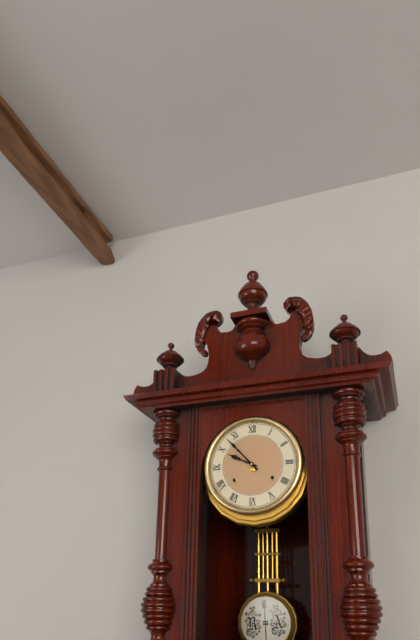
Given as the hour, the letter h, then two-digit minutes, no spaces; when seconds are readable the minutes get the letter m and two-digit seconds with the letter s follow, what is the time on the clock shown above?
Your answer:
9h53
